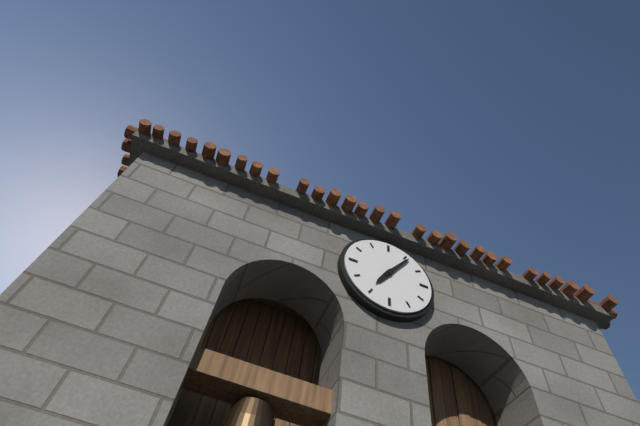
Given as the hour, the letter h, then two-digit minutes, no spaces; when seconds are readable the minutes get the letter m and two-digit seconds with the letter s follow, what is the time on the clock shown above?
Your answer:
7h06
